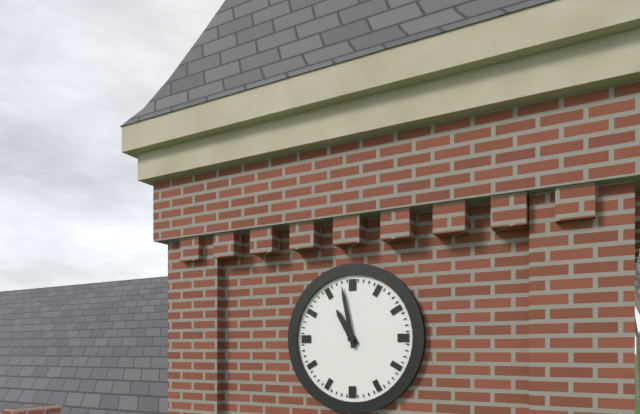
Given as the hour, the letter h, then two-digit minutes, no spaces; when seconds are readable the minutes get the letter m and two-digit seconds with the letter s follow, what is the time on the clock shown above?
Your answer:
10h58
